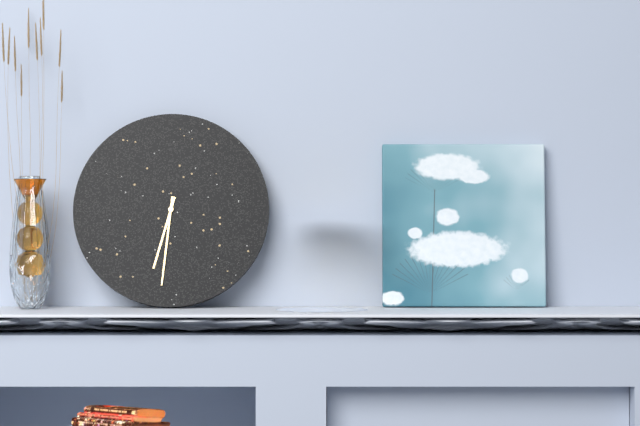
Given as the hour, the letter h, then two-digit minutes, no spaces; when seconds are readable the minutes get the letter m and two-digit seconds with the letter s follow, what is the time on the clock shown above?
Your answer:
6h31
